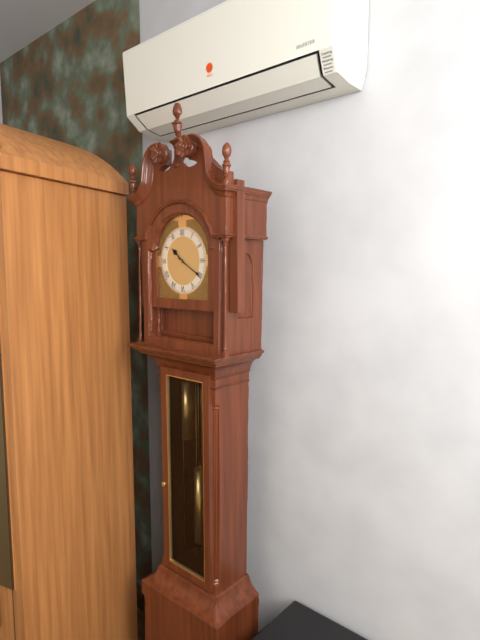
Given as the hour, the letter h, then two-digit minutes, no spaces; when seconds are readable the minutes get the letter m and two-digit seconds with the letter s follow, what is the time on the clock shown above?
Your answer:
10h20
